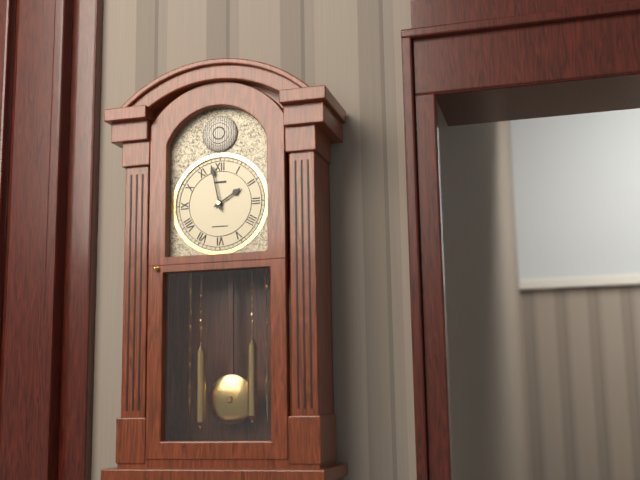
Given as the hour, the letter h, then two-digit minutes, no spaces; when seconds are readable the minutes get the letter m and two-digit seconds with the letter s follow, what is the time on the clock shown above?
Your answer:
1h58
